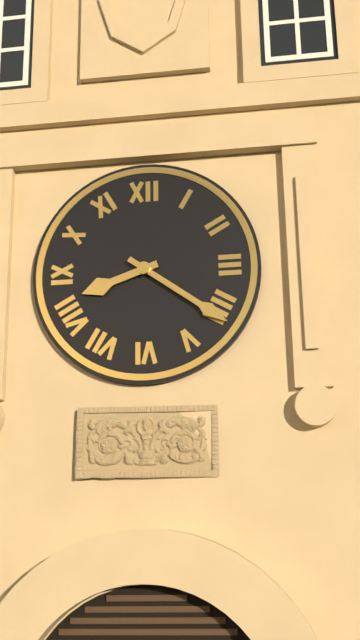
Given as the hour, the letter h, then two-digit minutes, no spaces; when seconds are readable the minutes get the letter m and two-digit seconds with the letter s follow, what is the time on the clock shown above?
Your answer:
8h21
